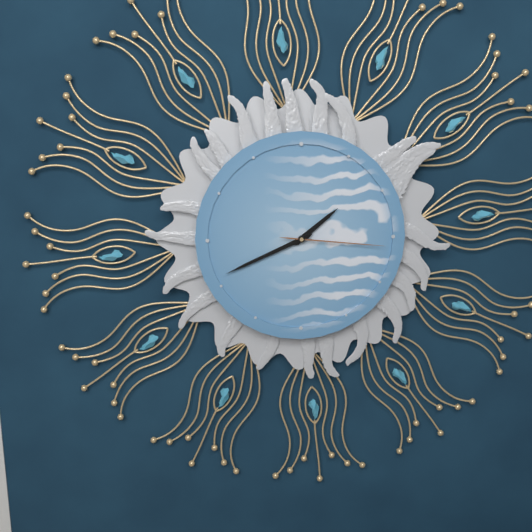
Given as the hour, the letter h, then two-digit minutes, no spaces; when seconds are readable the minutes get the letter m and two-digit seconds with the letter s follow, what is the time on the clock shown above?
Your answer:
1h41m16s
